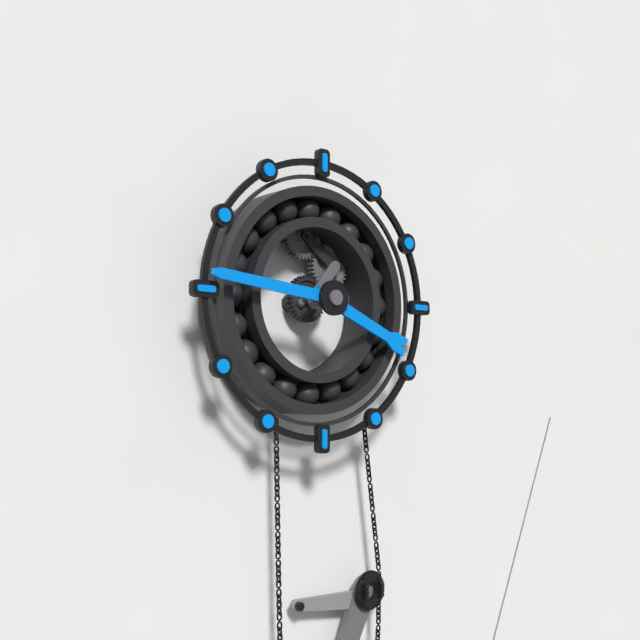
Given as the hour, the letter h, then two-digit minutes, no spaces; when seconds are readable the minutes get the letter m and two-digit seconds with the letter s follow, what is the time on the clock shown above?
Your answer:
3h46
